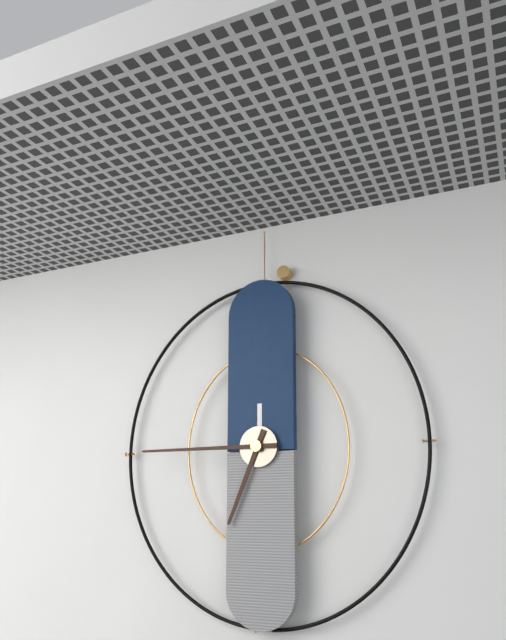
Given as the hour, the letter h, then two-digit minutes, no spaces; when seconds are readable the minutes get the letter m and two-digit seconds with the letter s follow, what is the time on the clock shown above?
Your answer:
6h45
